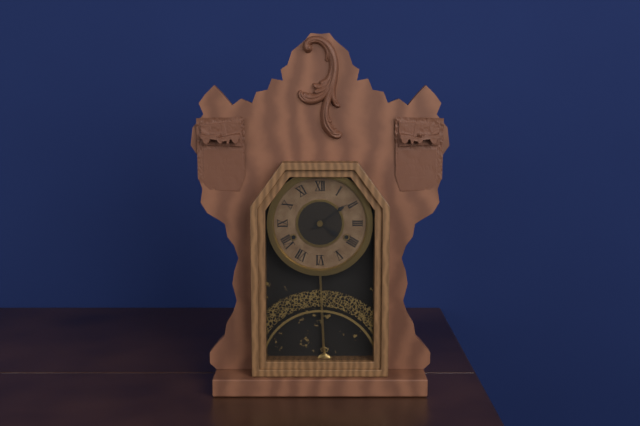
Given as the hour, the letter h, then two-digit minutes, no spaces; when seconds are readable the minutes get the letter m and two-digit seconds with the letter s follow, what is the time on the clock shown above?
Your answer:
4h09
